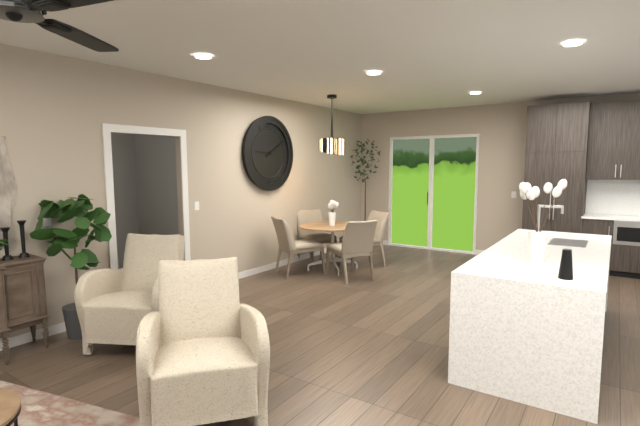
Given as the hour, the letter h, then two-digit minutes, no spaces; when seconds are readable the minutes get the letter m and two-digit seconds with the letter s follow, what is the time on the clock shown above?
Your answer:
9h10
